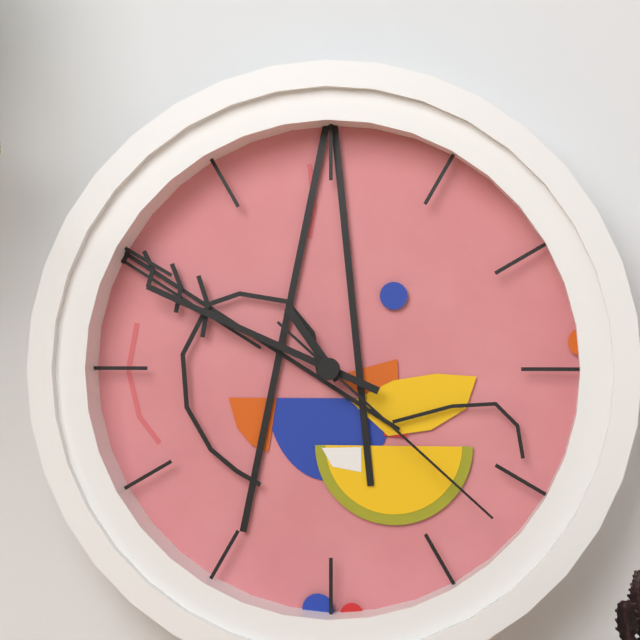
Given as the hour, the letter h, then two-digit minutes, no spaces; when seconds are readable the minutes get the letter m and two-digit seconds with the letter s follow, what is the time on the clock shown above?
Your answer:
10h49m22s
